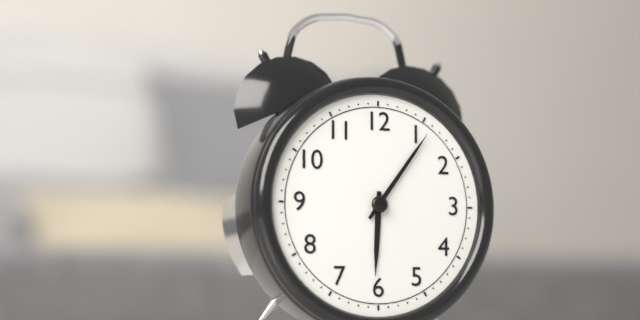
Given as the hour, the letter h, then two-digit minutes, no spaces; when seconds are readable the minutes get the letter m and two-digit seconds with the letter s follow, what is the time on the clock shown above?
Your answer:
6h06
